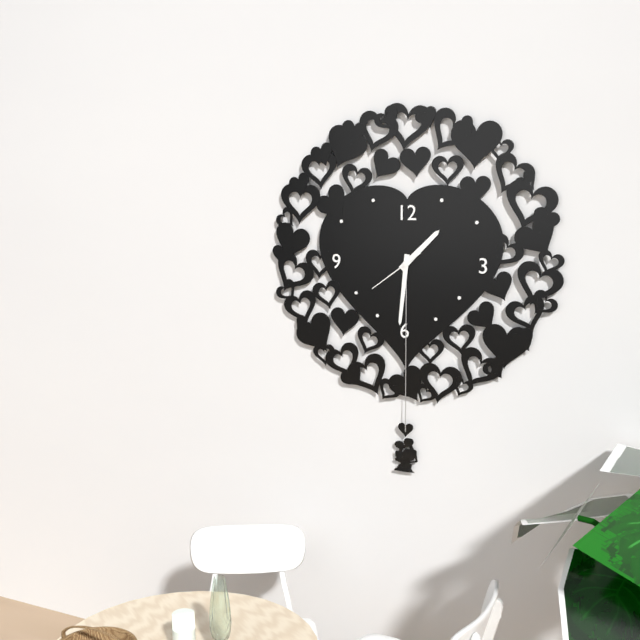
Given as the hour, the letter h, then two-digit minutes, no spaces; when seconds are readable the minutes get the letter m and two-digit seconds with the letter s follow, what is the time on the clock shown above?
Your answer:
1h31m39s
